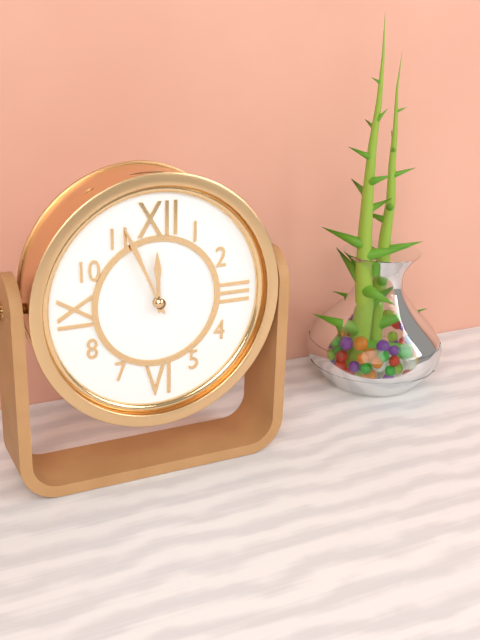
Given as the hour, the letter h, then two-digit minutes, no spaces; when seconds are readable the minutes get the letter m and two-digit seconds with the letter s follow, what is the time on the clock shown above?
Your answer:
11h56
